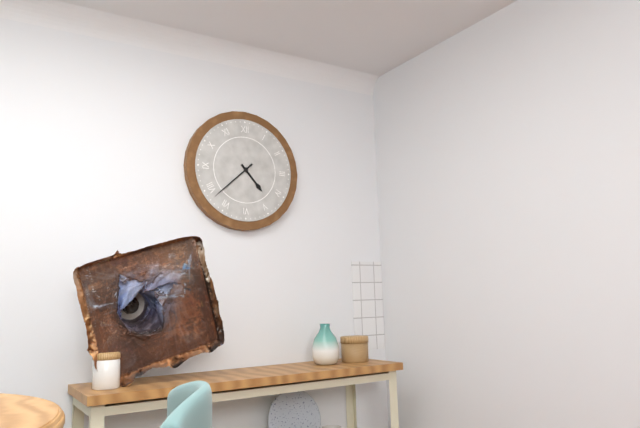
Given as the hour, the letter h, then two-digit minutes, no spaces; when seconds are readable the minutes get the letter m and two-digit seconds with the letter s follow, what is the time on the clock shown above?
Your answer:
4h38
